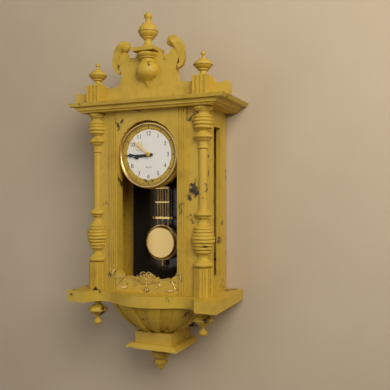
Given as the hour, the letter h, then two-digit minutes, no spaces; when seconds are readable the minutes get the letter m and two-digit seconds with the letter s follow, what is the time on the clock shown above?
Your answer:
8h45
